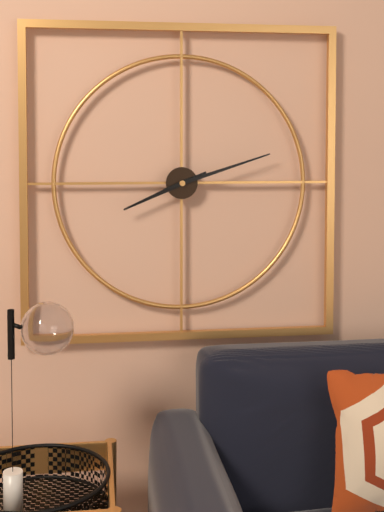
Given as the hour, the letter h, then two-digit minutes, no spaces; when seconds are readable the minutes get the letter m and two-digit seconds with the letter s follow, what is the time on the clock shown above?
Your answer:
8h12
